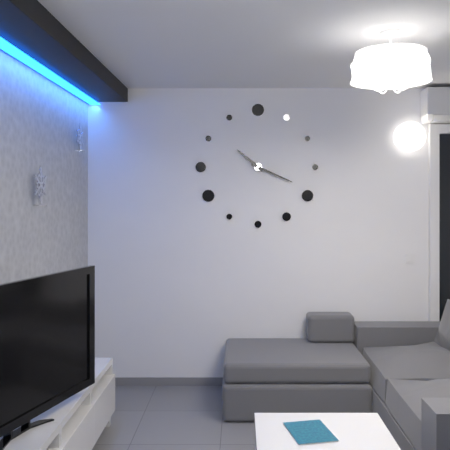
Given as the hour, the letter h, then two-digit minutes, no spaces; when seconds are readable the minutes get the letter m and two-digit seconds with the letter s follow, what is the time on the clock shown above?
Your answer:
10h19
